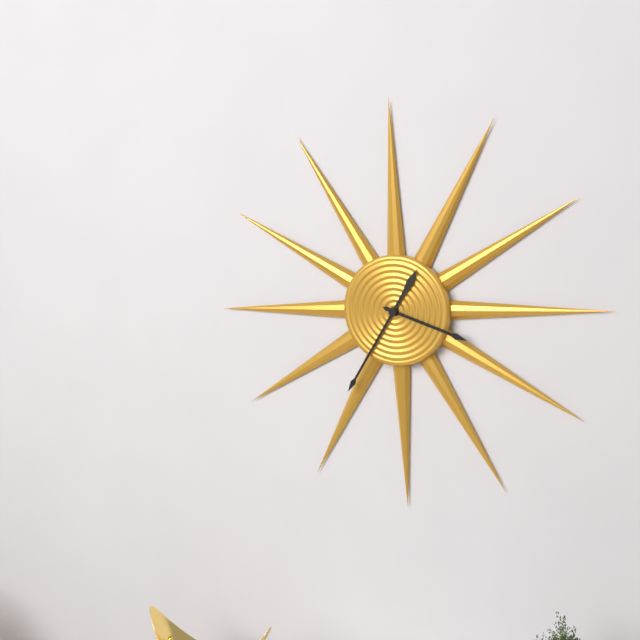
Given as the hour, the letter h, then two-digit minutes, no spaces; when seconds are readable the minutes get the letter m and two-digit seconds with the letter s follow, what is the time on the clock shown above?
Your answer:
3h35
